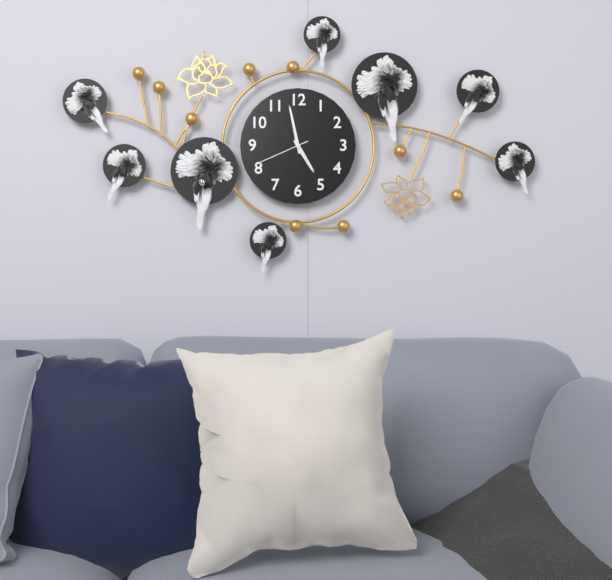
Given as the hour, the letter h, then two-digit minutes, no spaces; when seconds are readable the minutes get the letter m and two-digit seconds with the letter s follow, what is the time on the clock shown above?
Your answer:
4h58m41s
